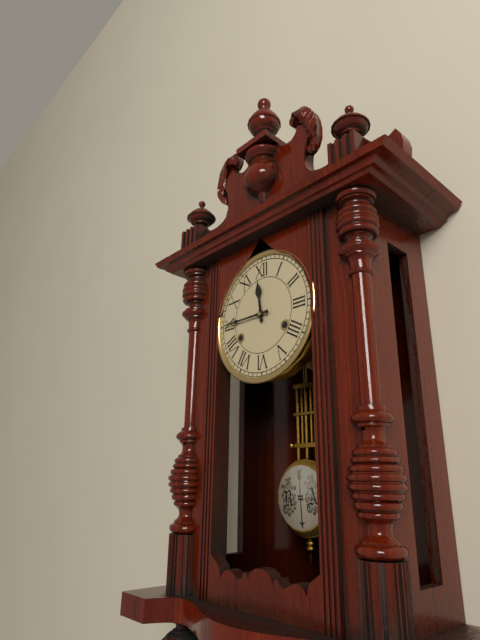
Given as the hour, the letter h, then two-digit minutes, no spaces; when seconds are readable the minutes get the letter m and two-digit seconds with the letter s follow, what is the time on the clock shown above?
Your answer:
11h45
